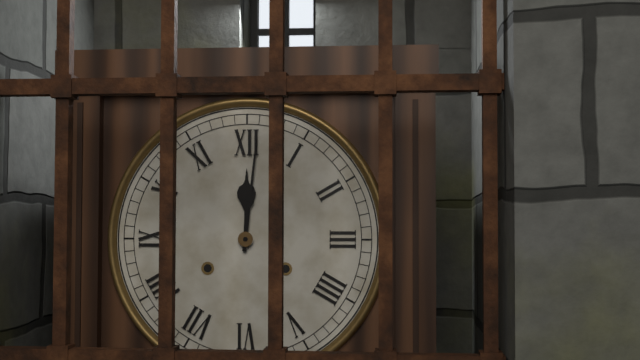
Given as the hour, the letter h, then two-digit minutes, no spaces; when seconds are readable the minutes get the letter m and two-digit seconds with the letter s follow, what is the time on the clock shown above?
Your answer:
12h01
